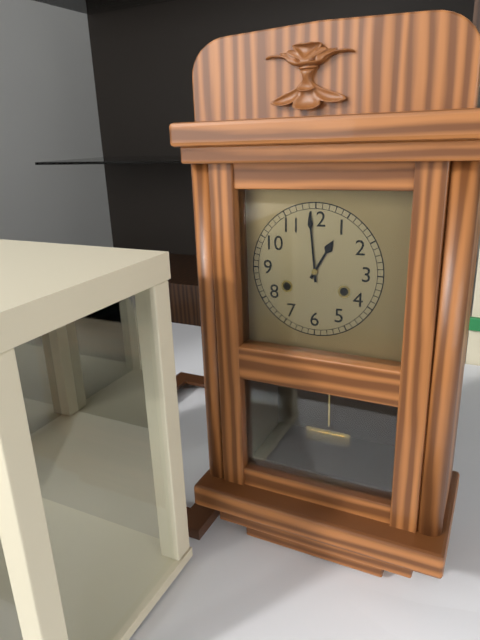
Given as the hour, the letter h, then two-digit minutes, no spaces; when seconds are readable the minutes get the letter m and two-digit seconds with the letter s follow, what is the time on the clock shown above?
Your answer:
12h59
